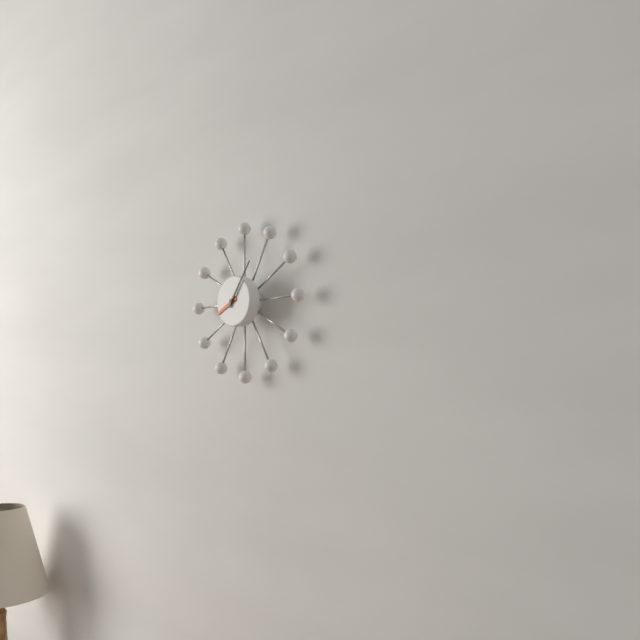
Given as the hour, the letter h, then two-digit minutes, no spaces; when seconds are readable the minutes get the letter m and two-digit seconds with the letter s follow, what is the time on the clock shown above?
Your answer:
8h06
